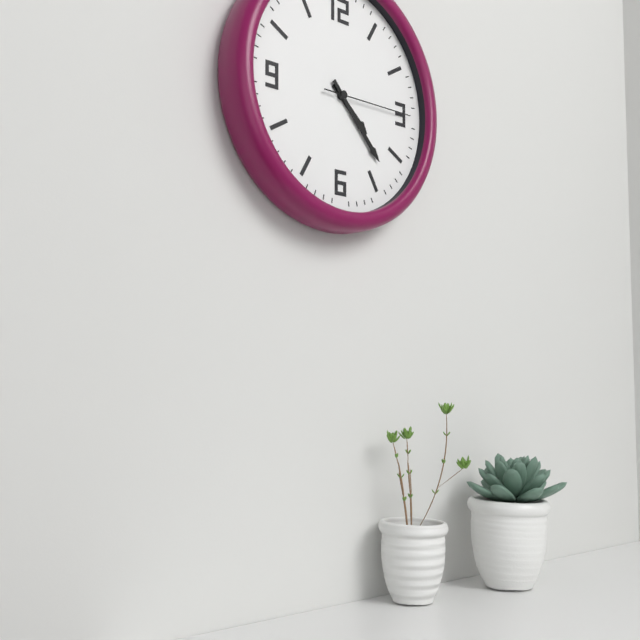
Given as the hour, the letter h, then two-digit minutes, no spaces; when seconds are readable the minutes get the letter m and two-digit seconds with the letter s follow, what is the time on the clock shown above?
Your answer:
4h23m15s
